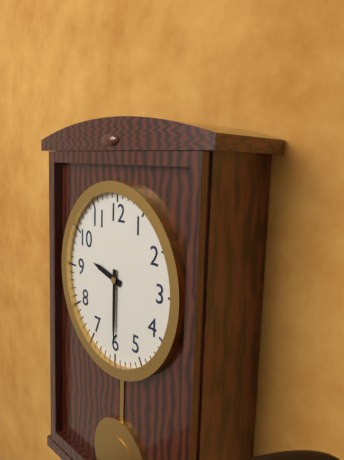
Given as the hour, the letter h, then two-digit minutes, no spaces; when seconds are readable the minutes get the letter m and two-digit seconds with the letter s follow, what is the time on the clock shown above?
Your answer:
9h30
